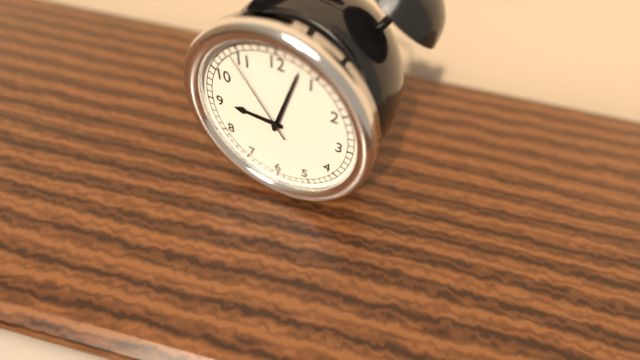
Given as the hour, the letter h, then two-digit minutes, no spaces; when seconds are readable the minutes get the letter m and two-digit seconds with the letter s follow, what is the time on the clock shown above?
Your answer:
9h03m54s
